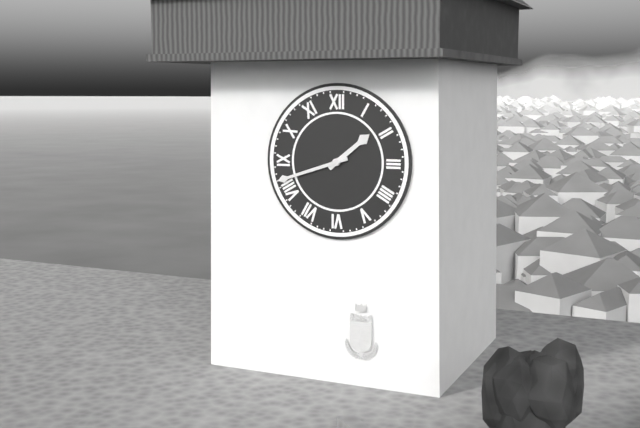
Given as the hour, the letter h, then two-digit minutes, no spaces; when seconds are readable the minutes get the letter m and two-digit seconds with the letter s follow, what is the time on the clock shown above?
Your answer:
1h42
